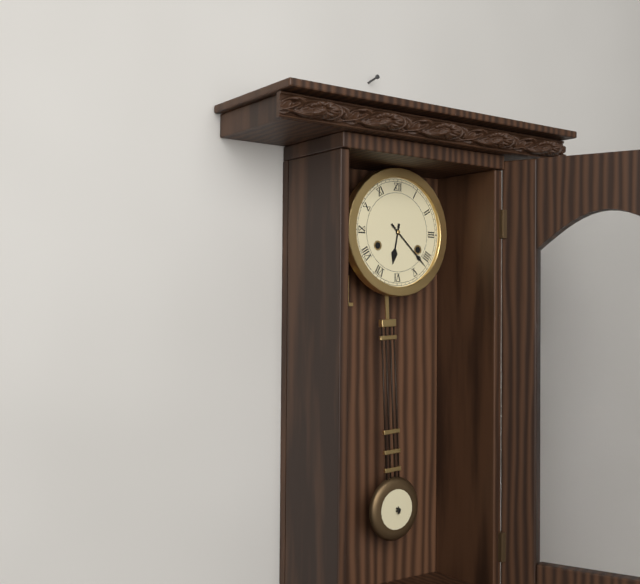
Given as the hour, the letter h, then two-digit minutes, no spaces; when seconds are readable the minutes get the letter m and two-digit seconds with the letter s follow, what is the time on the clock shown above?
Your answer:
6h22
